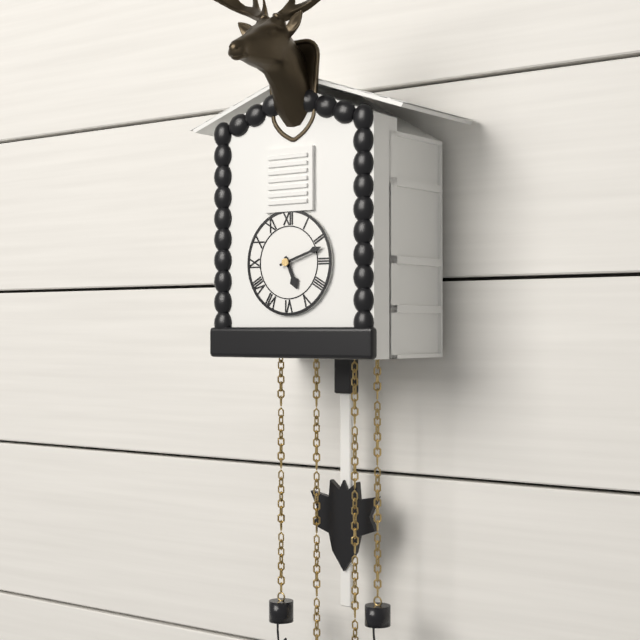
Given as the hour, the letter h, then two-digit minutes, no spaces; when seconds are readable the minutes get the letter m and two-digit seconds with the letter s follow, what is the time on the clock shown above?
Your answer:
5h12
